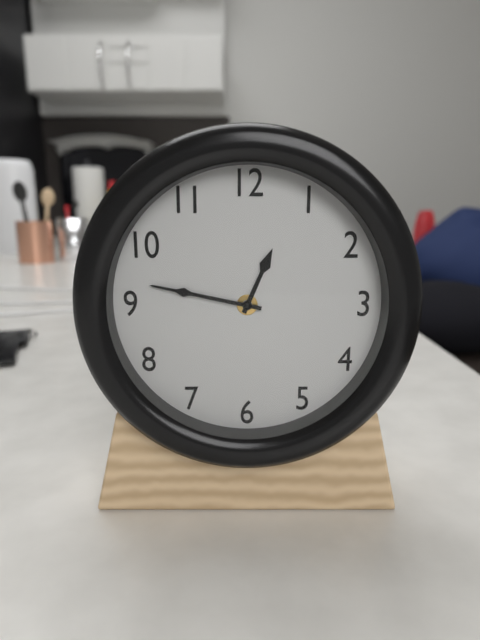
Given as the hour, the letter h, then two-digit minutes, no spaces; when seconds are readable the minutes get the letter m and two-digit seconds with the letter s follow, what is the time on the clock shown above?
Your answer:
12h47
